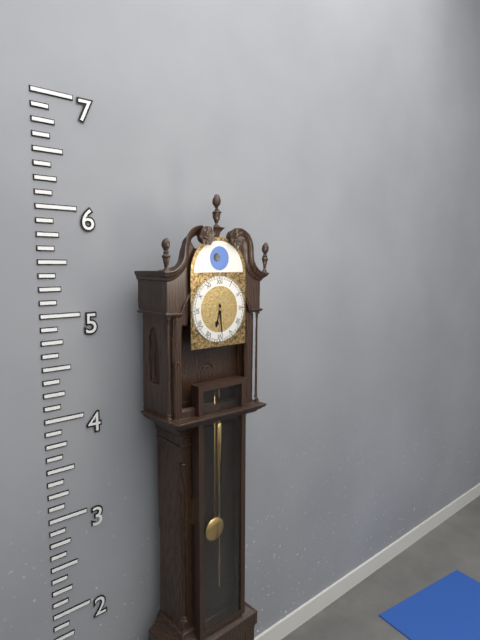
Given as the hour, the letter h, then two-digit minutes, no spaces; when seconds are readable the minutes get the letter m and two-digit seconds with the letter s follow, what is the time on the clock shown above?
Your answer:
6h29
